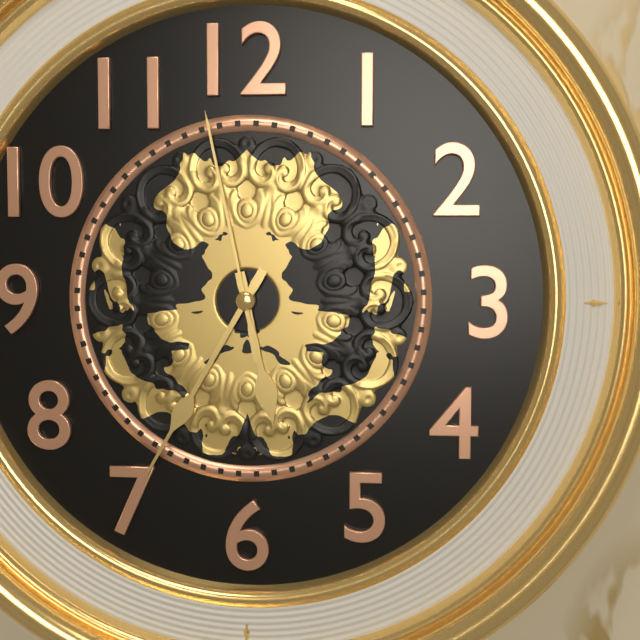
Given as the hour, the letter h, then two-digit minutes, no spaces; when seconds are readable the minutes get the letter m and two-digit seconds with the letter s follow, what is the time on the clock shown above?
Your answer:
5h35m58s
